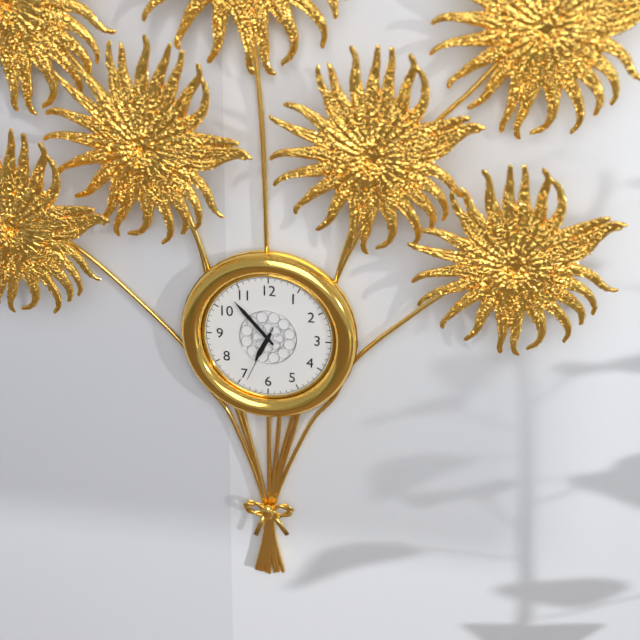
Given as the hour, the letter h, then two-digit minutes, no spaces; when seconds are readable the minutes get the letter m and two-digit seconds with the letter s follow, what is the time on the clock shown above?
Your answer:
6h53m34s
